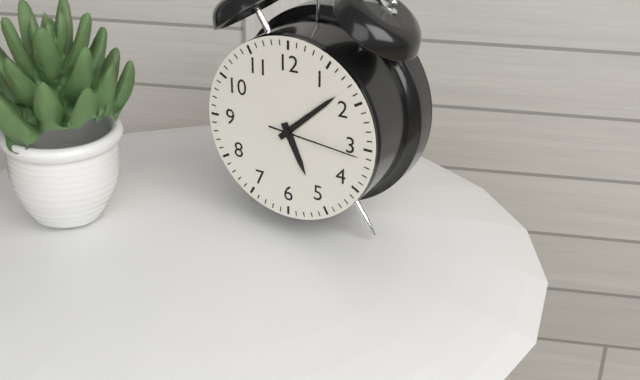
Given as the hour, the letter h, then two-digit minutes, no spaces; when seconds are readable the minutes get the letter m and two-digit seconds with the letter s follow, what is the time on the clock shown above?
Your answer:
5h08m16s
